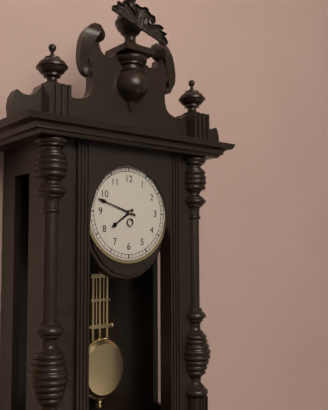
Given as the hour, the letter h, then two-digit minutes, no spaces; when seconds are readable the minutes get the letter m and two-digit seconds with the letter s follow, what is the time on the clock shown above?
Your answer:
7h48
